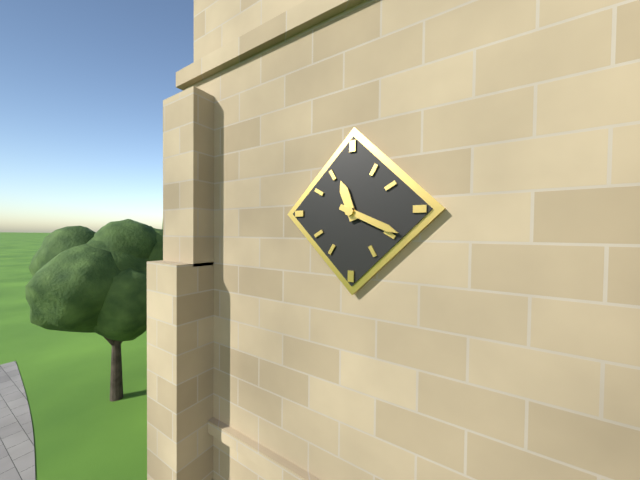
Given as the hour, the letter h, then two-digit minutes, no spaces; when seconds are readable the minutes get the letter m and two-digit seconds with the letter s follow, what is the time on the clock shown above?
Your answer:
11h19
